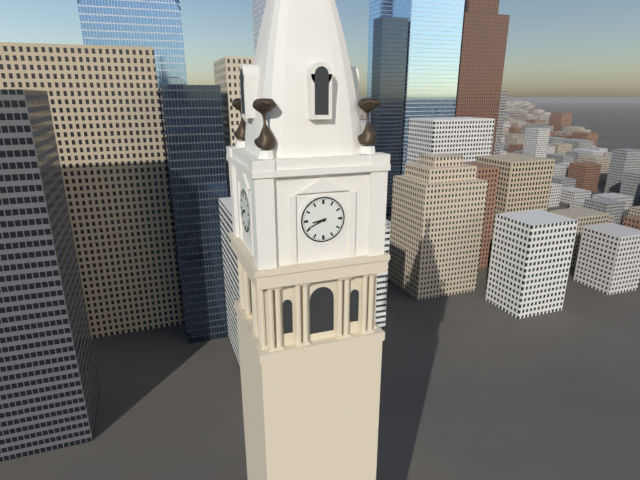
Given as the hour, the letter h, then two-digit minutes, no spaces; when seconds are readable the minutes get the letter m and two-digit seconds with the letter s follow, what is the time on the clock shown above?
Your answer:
8h41
